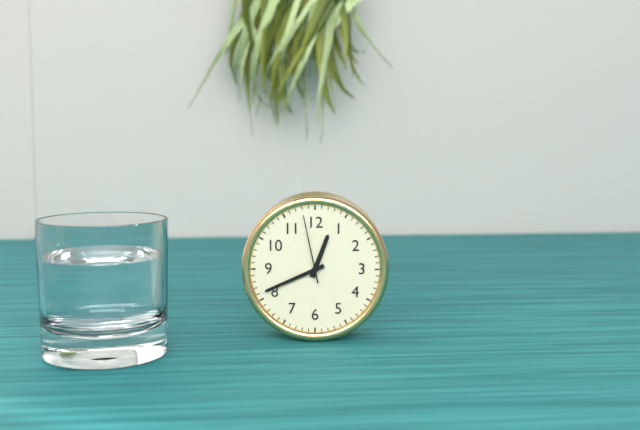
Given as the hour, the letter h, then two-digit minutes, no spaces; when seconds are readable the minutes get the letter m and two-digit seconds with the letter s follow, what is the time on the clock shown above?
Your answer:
12h41m58s
